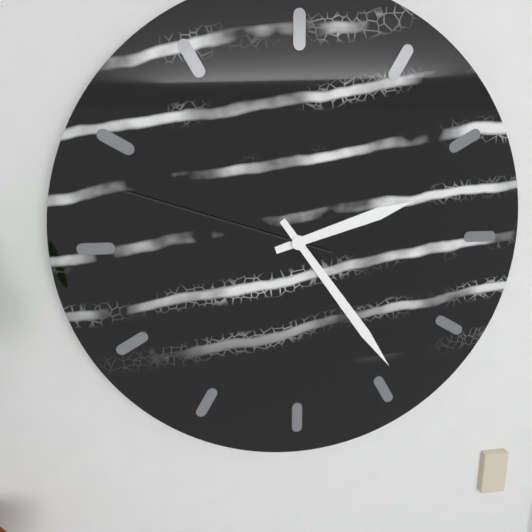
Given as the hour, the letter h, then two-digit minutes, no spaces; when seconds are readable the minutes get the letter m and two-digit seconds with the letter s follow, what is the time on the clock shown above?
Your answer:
2h24m48s
